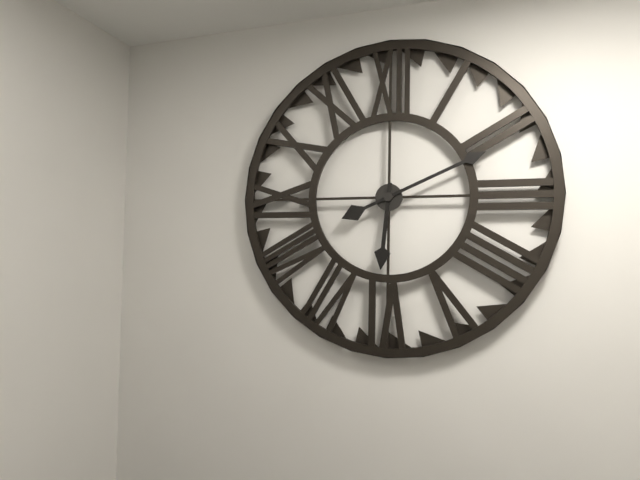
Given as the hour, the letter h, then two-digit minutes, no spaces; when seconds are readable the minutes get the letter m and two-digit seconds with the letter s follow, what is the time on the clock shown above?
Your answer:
6h11
